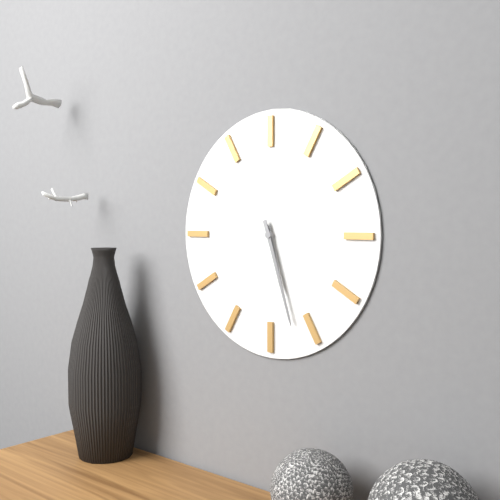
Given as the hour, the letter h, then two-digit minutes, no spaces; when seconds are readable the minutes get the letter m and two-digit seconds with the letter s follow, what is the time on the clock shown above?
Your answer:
5h27
